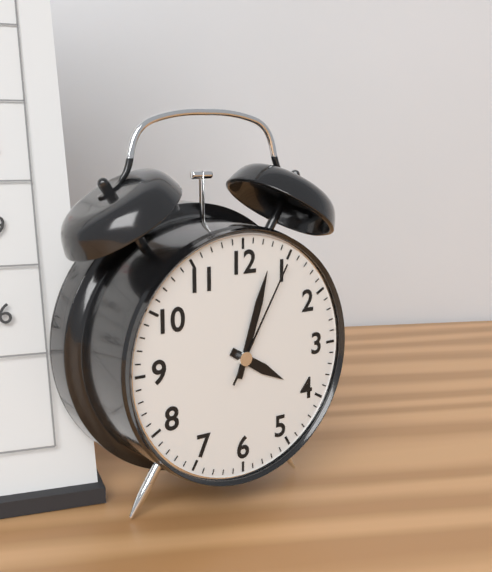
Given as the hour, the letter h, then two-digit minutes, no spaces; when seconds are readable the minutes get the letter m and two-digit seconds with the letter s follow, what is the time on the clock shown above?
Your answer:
4h03m05s
